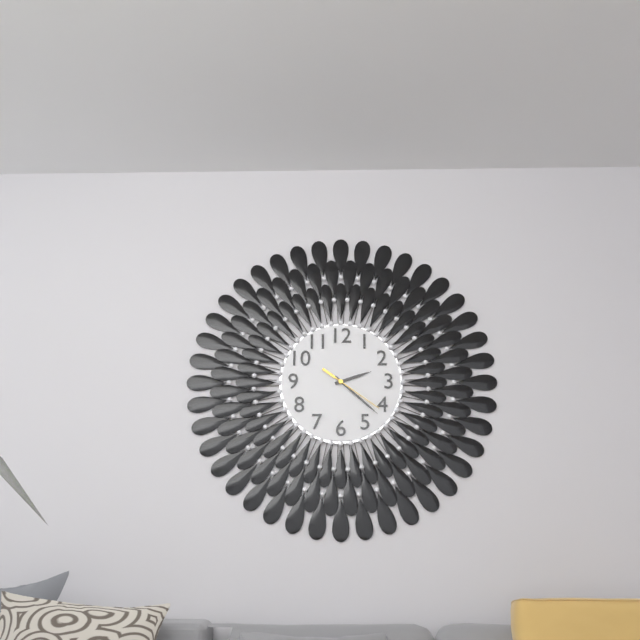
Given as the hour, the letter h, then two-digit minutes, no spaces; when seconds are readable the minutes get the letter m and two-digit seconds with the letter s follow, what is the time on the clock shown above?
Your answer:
2h22m21s
